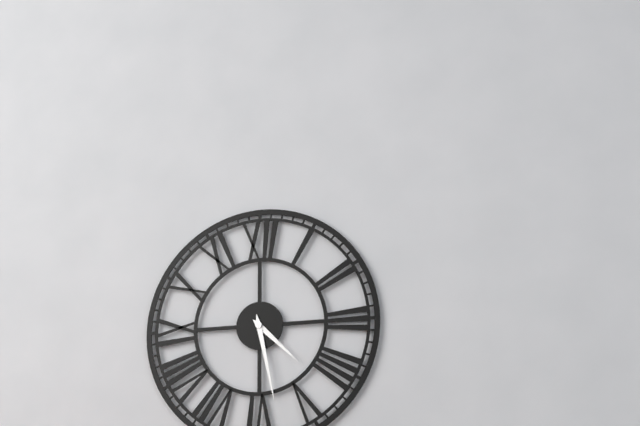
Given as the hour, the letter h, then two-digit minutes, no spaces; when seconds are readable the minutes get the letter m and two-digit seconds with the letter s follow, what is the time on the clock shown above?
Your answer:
4h28
